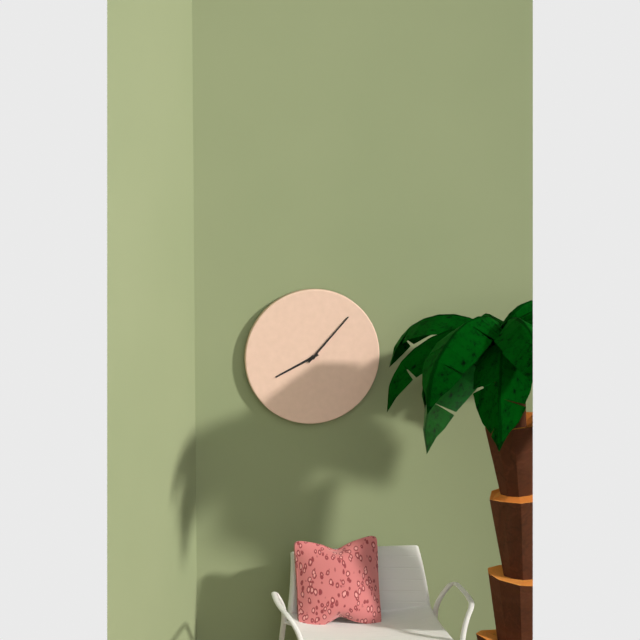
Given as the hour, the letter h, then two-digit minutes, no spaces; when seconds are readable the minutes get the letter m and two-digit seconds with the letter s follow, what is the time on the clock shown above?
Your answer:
8h07
